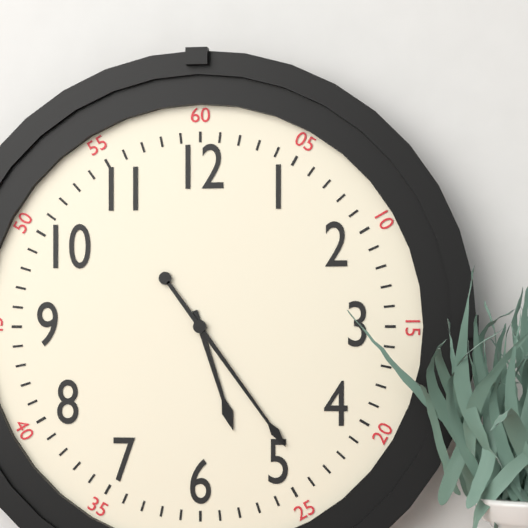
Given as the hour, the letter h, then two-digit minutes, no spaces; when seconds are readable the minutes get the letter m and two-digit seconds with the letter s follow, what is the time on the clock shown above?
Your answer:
5h24
